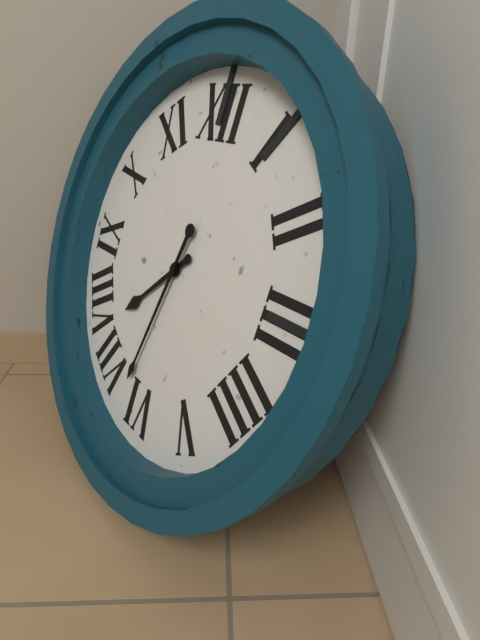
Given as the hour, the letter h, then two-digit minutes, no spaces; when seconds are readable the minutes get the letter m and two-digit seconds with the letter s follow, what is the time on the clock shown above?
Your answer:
7h32
